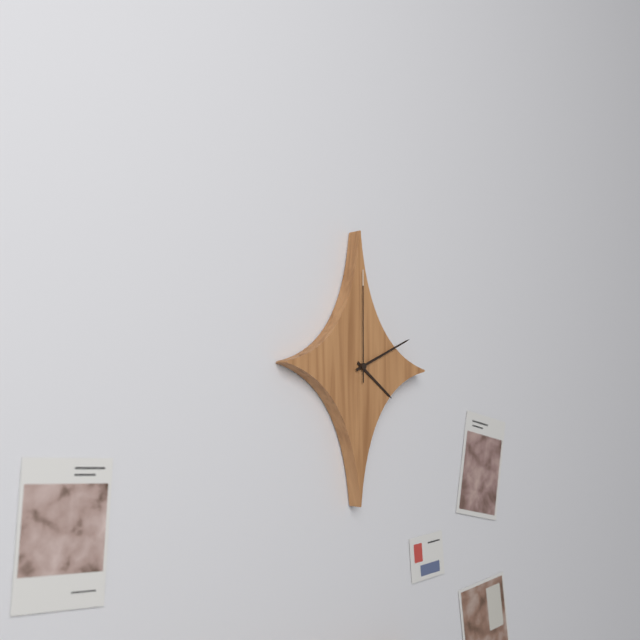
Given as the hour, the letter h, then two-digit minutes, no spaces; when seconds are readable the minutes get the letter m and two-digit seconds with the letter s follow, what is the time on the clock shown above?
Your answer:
4h11m00s
